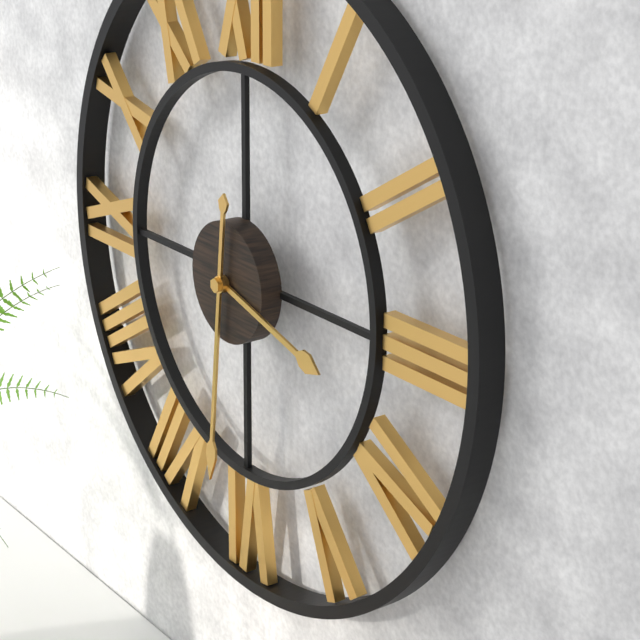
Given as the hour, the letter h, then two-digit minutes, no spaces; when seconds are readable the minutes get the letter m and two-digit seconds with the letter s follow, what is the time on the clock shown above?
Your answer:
3h31
